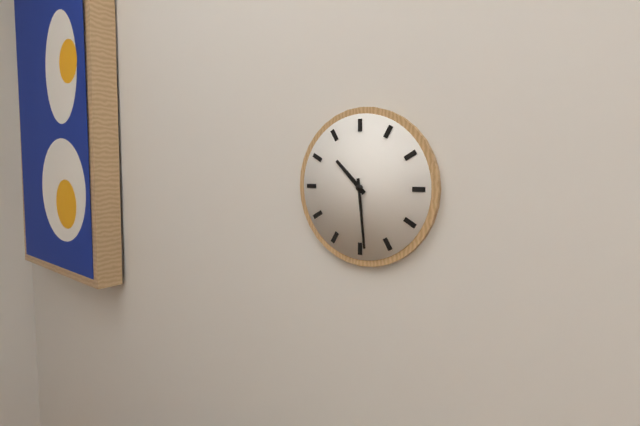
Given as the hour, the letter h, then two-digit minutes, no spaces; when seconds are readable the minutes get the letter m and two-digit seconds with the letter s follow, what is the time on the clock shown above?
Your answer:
10h29
